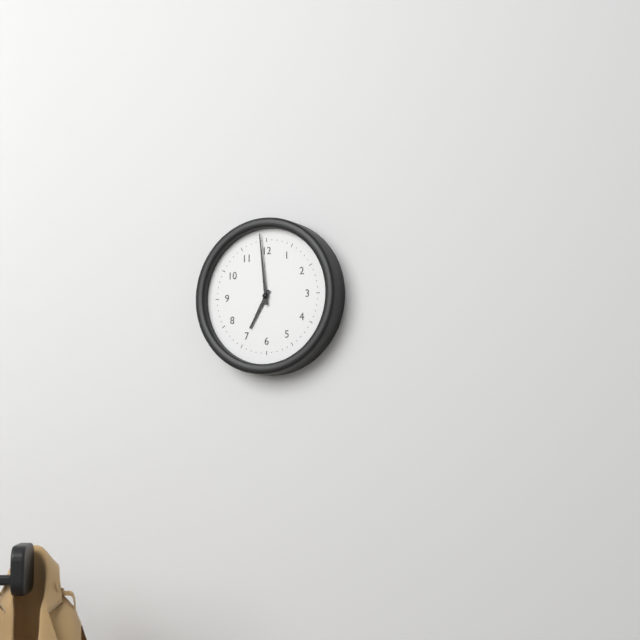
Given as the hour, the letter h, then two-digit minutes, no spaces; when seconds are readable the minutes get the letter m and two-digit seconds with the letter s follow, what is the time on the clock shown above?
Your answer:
6h59
